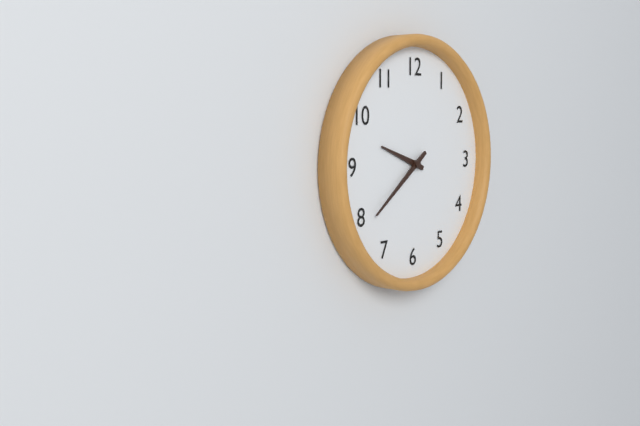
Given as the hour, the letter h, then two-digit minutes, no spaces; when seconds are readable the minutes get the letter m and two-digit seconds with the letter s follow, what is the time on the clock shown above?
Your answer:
9h39
